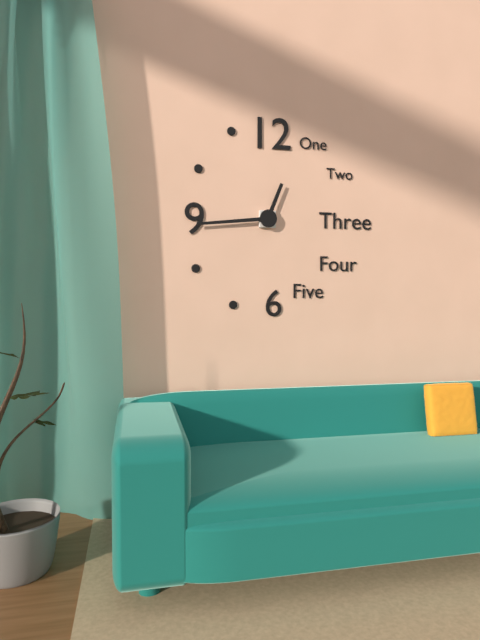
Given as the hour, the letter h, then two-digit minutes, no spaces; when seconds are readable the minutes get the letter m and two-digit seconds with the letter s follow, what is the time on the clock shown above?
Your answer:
12h44
